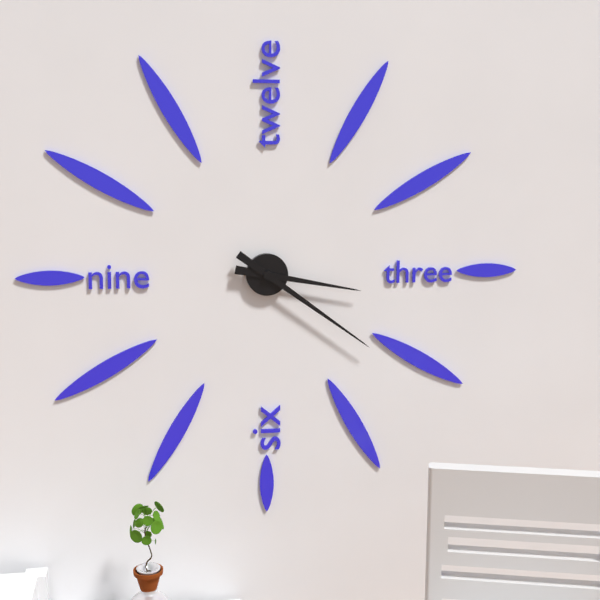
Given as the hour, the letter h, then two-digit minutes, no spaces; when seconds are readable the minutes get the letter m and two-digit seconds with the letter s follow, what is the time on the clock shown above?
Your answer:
3h21
